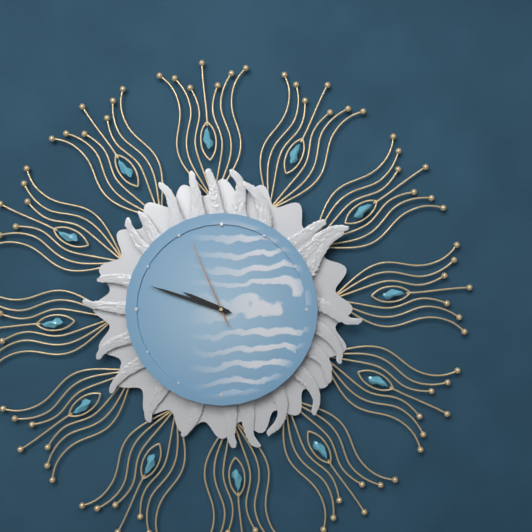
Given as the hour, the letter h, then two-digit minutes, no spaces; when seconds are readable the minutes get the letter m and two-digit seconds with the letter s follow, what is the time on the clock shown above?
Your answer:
9h48m56s
